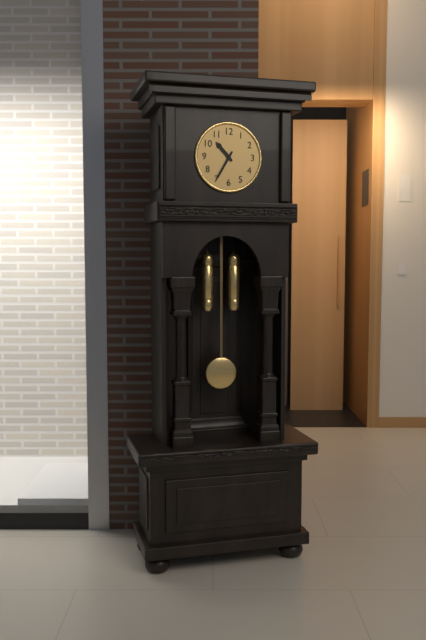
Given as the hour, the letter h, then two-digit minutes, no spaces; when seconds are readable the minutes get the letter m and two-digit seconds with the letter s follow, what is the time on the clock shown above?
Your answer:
10h35
